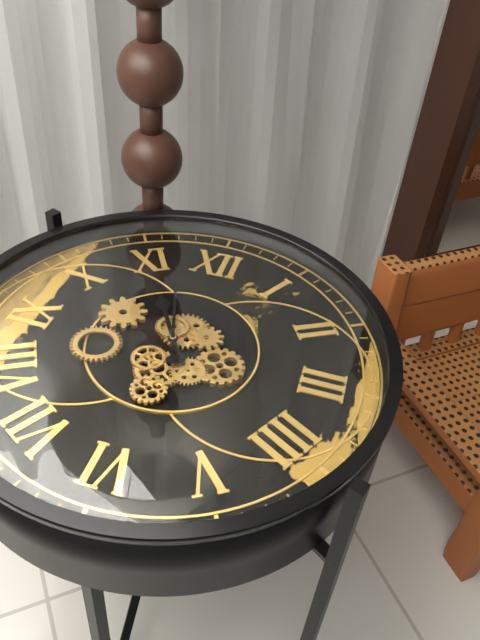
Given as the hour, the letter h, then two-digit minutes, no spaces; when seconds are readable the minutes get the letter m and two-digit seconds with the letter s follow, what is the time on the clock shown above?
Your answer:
10h57
